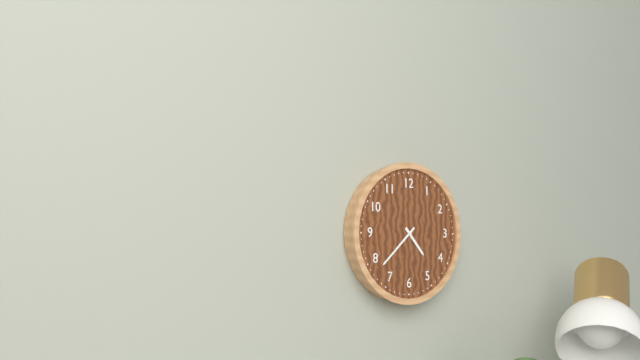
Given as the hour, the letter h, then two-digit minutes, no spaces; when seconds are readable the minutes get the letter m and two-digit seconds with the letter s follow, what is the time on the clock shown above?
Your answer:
4h38
